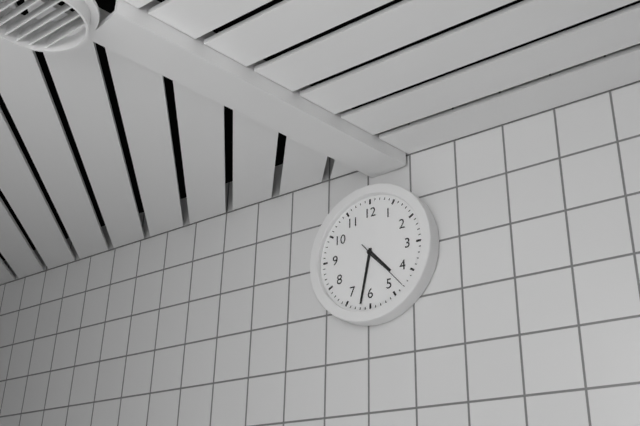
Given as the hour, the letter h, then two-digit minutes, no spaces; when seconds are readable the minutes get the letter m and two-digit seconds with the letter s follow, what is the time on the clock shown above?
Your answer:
4h32m23s
